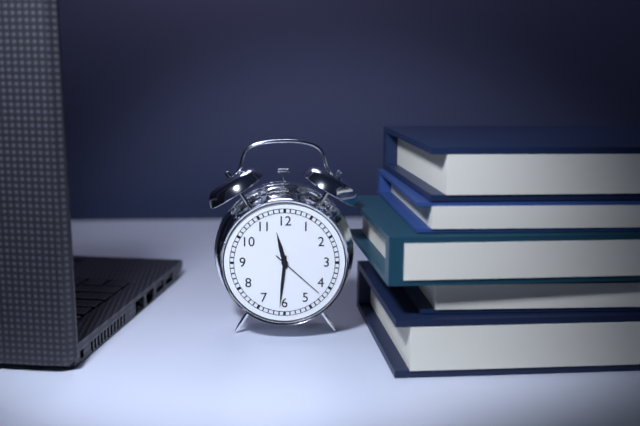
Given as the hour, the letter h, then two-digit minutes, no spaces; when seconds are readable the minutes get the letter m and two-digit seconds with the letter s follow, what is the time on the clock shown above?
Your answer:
11h31m22s
